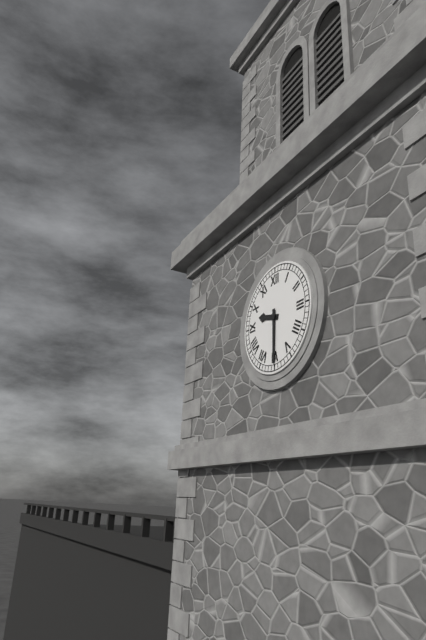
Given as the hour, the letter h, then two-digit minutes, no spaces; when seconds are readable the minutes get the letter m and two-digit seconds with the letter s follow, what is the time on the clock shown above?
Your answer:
9h30
